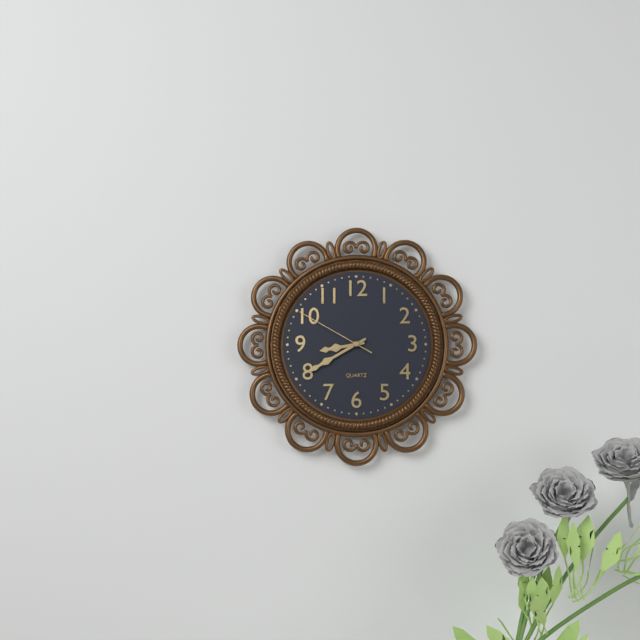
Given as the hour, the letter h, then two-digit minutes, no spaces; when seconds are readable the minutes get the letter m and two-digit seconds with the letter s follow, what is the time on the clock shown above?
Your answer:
8h40m50s
